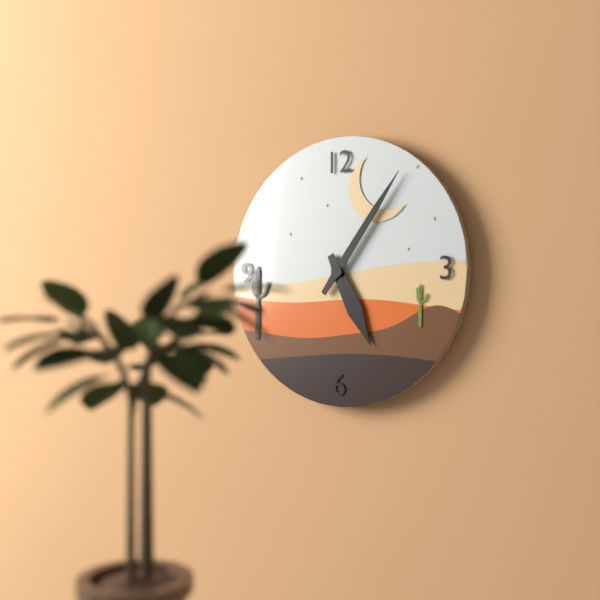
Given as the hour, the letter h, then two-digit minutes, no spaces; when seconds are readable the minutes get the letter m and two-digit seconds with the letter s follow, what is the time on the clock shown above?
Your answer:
5h06
